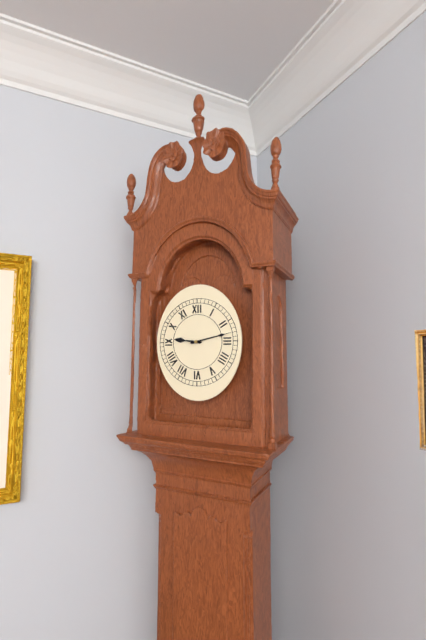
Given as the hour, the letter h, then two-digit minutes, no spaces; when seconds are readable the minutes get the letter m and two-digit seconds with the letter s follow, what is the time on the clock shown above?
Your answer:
9h13
